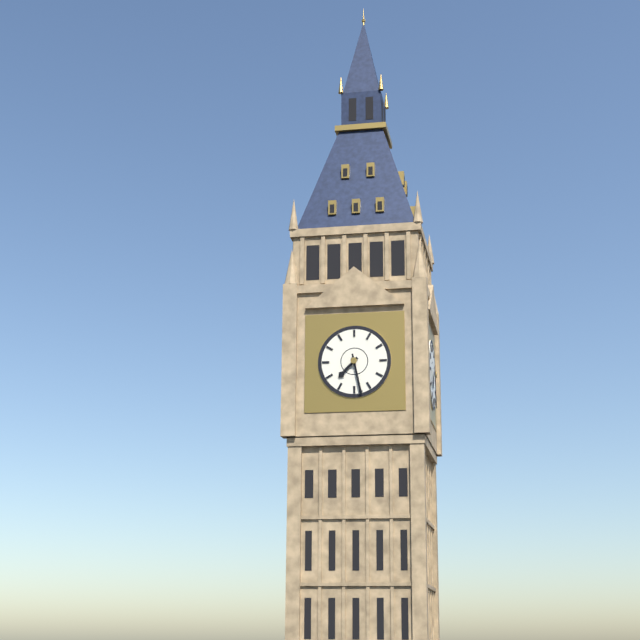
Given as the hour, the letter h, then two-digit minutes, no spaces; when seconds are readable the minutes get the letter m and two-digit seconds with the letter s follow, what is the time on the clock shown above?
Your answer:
7h28
